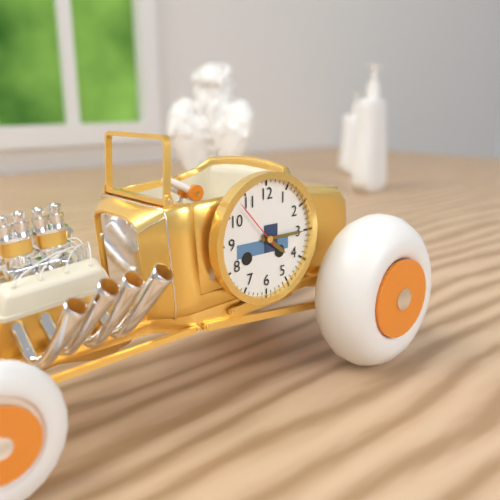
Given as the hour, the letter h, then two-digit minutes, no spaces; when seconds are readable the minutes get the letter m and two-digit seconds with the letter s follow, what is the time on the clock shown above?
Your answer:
4h15m53s
